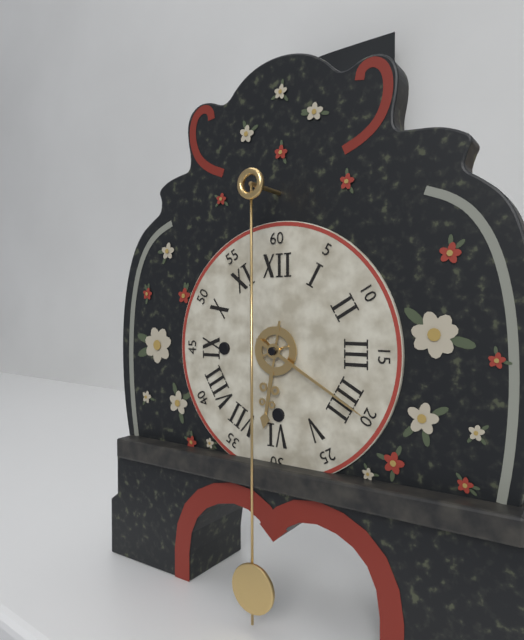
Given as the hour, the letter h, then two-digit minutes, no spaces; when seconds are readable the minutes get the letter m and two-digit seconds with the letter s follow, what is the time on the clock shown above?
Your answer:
6h20
